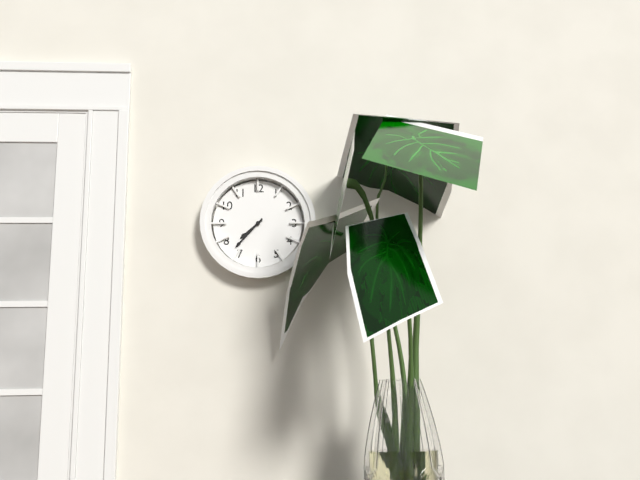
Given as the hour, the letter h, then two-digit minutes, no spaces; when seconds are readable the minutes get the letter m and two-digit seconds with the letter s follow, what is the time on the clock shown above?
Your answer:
7h37
